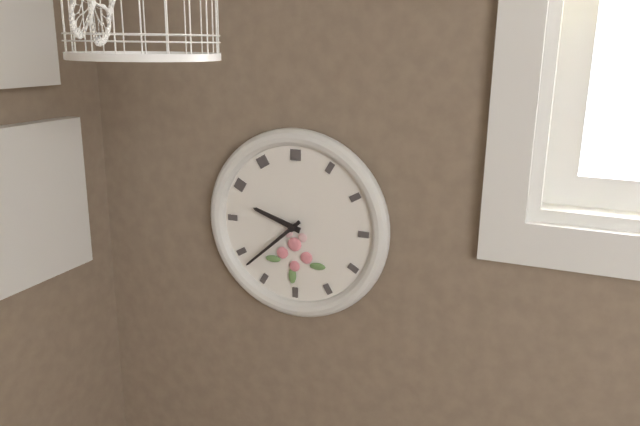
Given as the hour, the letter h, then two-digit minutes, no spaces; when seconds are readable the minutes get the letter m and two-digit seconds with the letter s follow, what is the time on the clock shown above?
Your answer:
9h38
